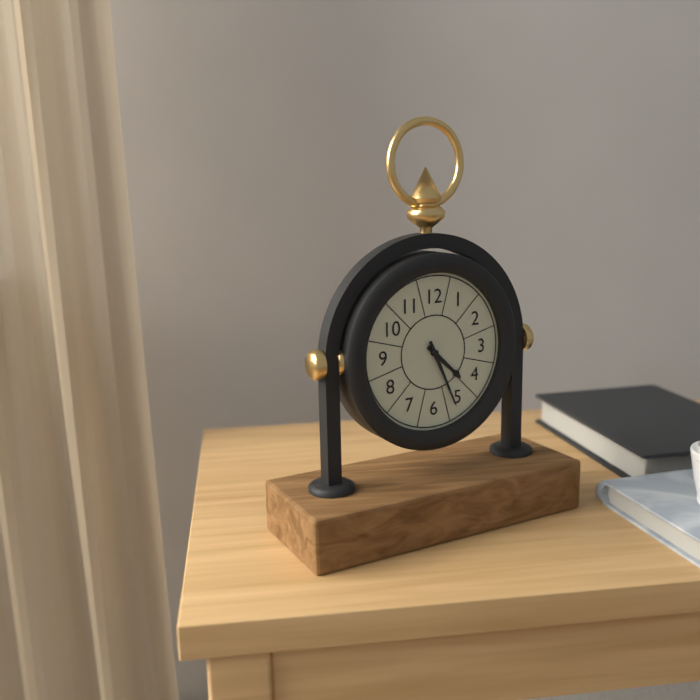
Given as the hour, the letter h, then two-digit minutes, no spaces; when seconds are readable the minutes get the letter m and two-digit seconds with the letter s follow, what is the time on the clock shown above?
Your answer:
4h26
